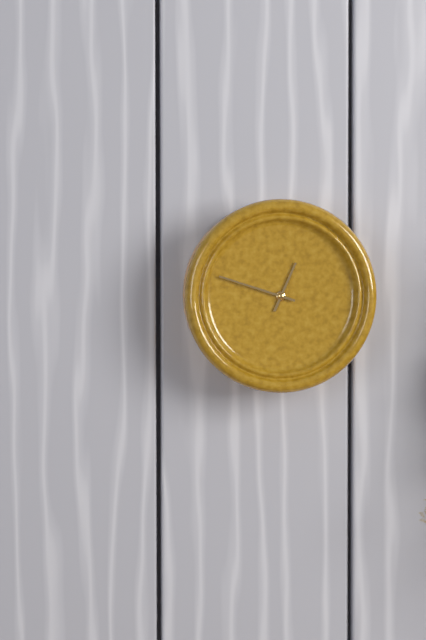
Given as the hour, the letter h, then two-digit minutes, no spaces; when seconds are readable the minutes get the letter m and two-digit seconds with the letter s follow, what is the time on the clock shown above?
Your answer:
12h48
